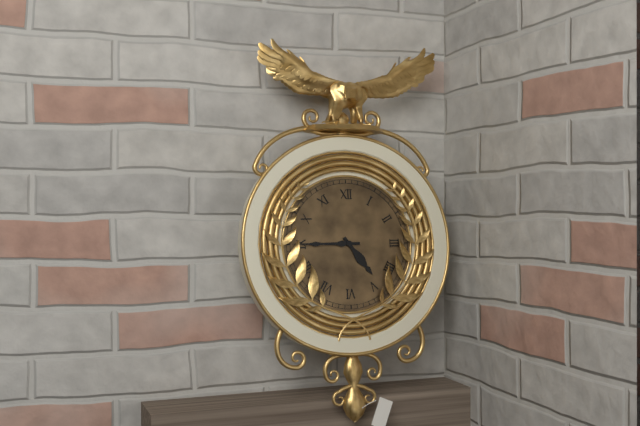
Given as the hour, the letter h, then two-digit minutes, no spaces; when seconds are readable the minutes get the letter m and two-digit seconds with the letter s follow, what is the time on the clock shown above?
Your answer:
4h45
